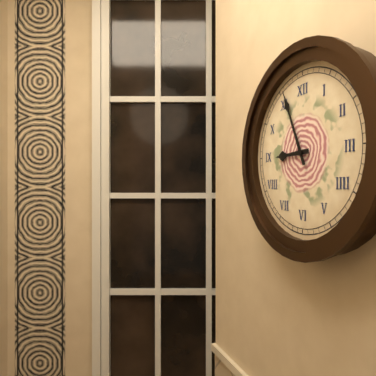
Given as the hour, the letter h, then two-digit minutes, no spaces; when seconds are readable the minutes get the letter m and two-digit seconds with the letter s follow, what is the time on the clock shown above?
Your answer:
8h56
